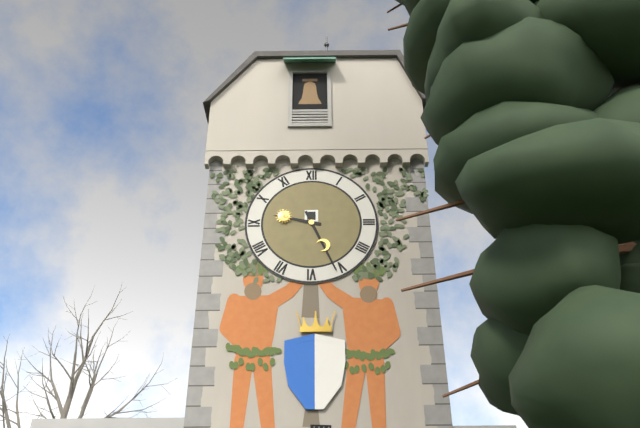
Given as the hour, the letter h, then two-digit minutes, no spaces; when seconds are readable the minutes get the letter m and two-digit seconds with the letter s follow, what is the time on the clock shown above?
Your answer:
9h26
